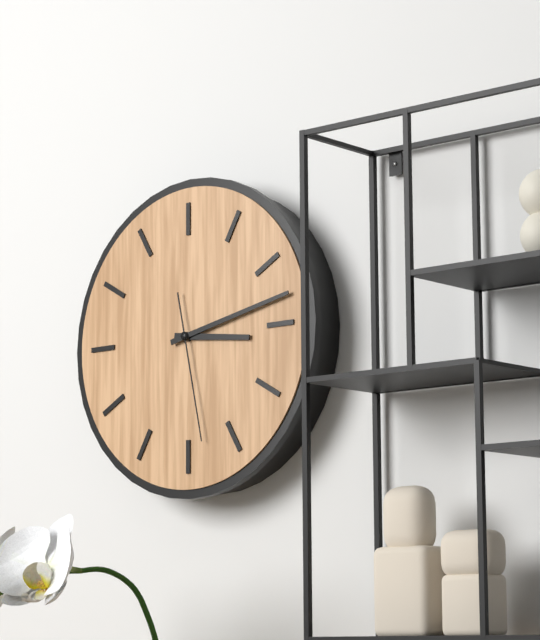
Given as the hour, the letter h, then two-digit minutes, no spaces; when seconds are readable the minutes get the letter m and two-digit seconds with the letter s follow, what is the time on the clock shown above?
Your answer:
3h13m28s
